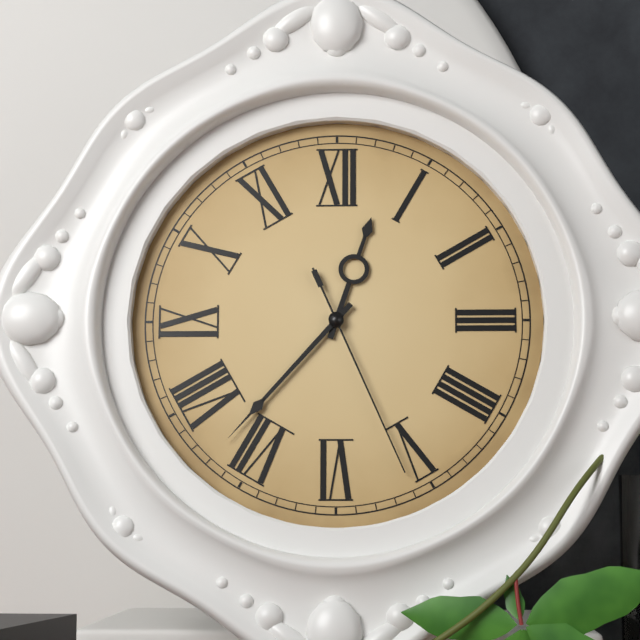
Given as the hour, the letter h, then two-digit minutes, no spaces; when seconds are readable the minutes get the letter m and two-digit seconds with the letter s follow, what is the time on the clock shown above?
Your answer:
12h37m26s
